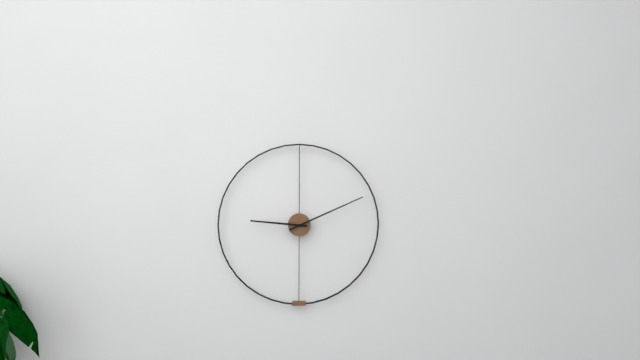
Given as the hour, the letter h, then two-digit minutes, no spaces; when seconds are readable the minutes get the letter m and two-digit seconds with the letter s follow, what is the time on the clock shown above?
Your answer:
9h11
